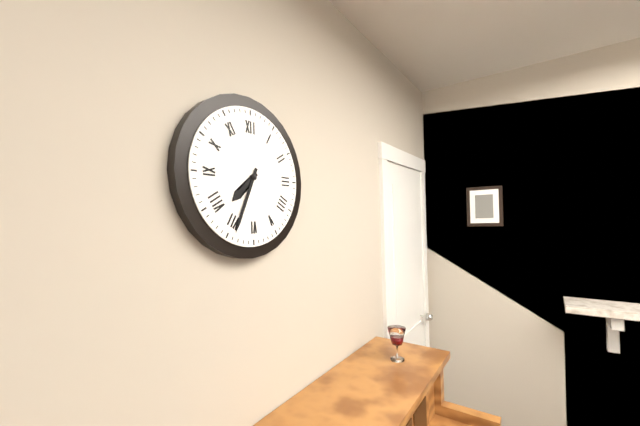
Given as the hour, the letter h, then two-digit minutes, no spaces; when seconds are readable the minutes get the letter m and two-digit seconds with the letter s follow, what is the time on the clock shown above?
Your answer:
7h34
